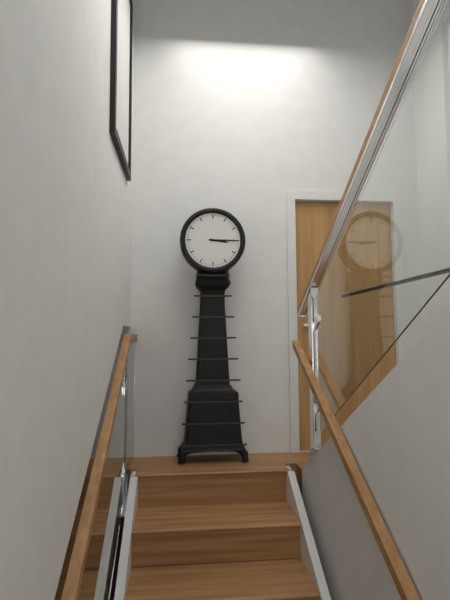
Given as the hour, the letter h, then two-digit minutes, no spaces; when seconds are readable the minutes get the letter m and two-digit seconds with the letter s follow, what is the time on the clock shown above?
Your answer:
3h15
